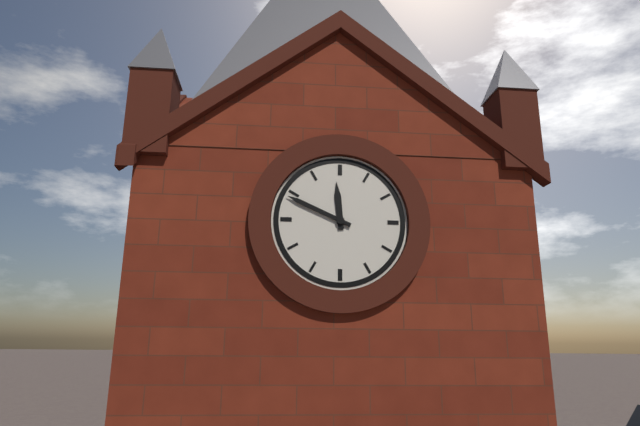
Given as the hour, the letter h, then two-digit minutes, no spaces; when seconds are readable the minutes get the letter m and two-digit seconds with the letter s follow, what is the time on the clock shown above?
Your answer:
11h49
